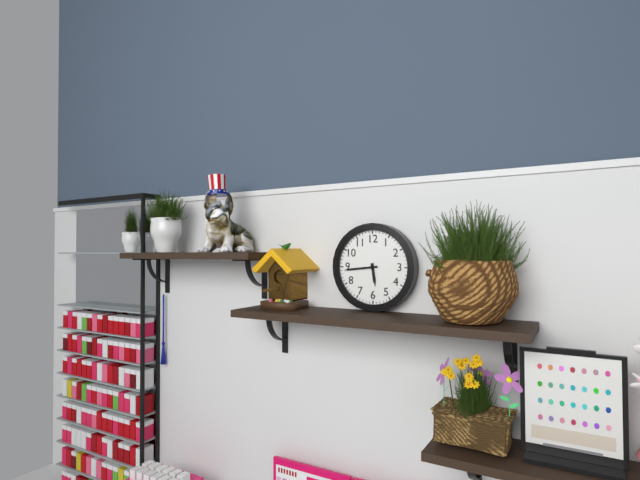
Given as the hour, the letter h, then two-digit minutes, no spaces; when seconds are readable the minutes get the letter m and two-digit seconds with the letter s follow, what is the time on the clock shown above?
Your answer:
5h44
